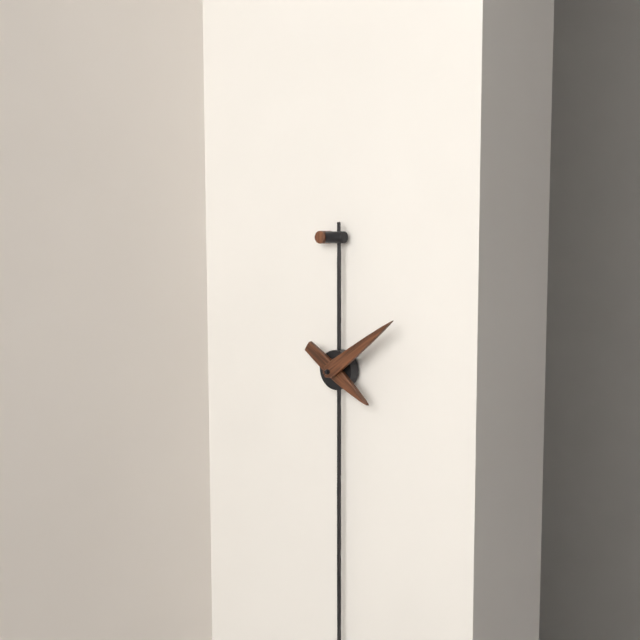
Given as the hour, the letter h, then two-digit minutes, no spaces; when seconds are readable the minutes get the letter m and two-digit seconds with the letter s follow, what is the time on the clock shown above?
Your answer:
4h09
